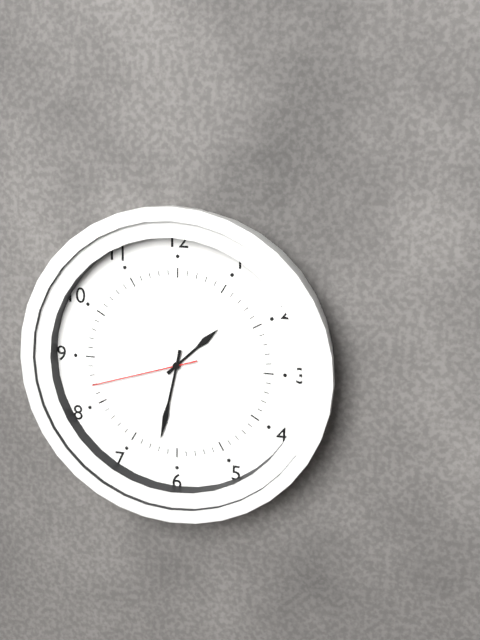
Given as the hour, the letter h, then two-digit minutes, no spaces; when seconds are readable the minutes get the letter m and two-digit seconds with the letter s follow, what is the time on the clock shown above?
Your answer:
1h32m42s
